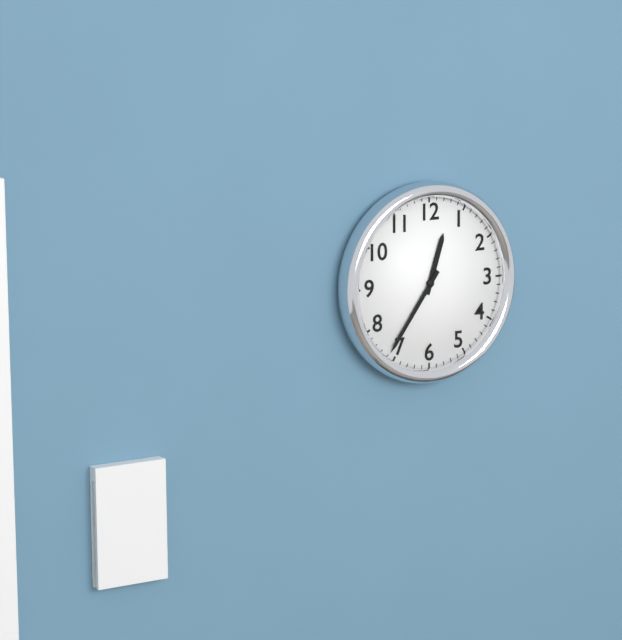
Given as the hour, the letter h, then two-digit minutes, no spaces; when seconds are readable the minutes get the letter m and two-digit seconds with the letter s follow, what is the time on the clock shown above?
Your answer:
12h36
